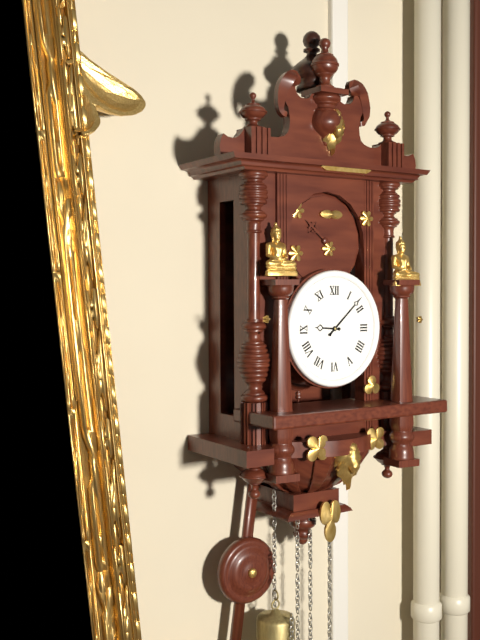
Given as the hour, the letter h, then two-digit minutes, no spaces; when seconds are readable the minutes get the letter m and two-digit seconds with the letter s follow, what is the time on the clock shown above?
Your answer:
9h08
